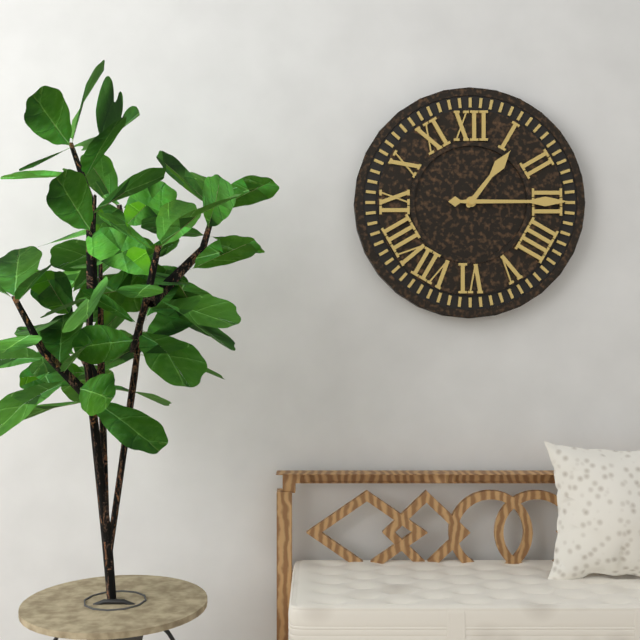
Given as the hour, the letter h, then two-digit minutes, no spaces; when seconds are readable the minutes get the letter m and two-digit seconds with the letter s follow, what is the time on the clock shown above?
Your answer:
1h15
